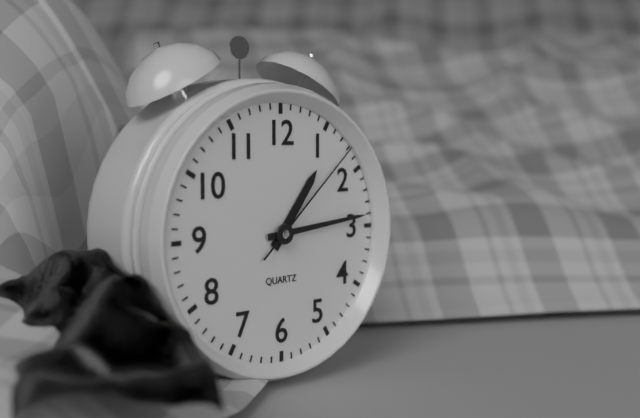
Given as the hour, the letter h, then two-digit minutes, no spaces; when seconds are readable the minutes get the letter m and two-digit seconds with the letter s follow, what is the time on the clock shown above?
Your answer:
1h14m08s
